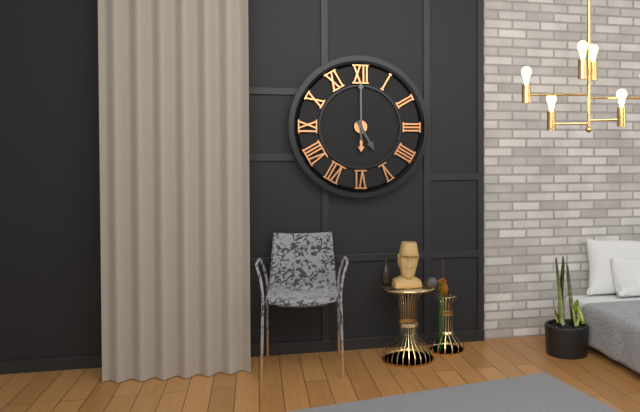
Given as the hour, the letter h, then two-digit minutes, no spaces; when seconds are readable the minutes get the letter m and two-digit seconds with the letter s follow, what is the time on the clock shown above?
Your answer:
5h00
